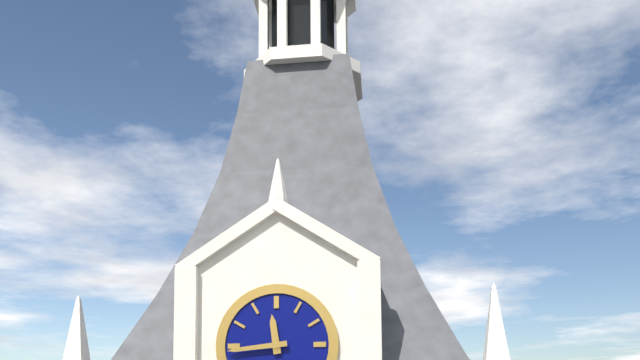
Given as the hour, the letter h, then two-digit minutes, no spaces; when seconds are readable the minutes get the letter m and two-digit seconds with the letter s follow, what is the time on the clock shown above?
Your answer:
11h44
